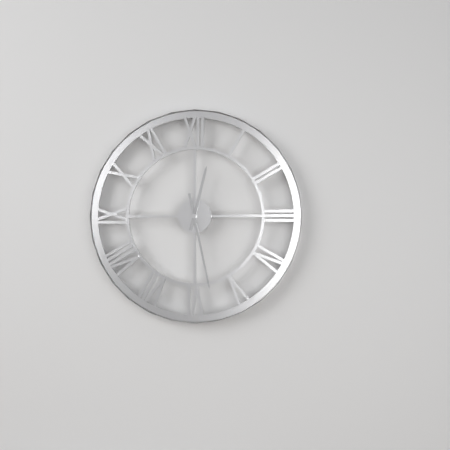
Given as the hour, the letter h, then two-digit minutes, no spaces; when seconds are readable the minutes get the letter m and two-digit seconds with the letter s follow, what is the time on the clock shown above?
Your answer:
12h28
